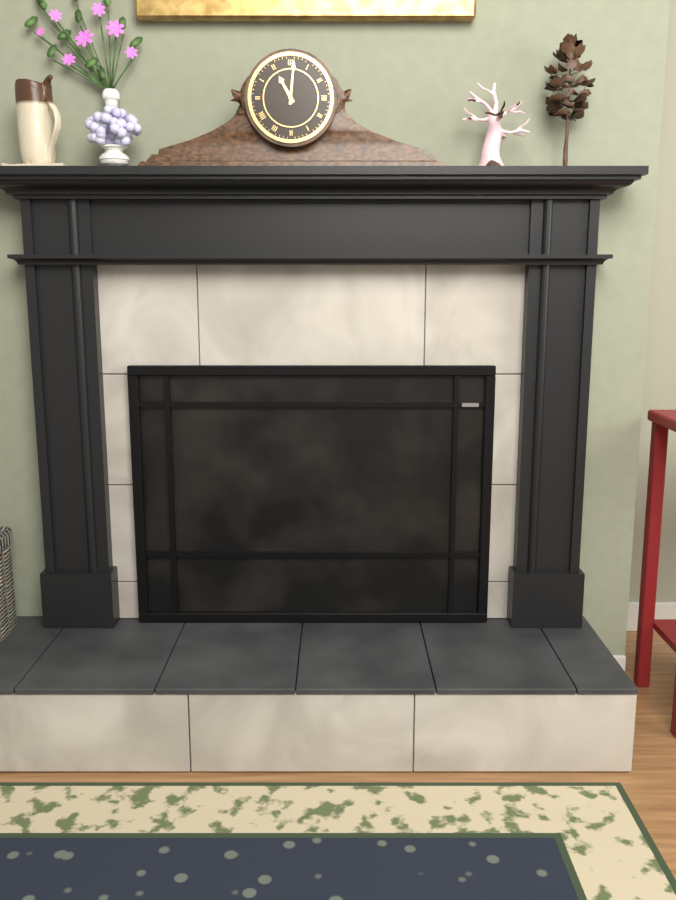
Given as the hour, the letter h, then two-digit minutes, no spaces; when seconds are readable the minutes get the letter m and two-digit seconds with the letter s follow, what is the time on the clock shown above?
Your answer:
11h01
